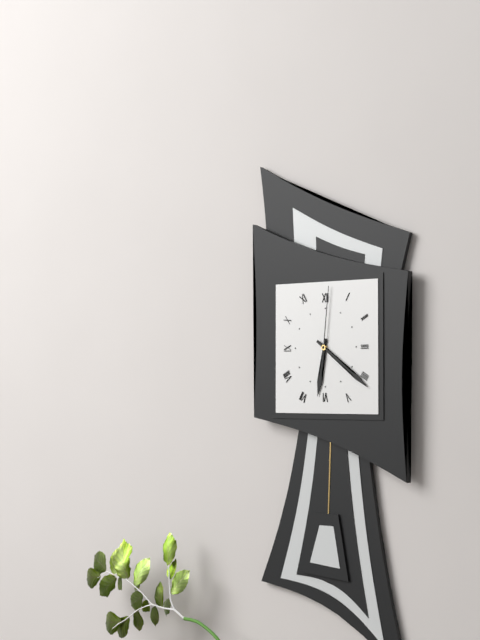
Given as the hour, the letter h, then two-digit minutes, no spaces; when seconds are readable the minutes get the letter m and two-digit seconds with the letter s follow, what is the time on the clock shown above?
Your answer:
6h21m01s
